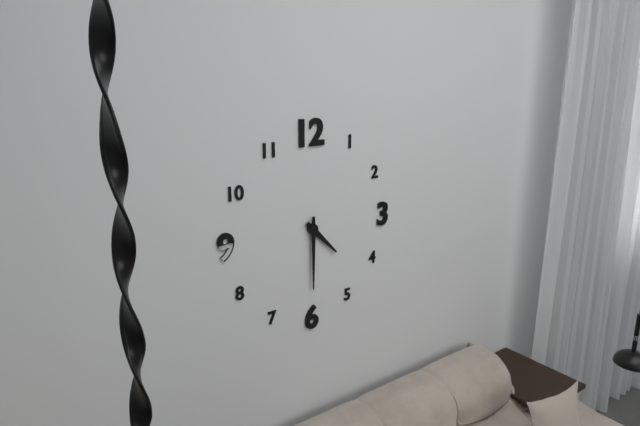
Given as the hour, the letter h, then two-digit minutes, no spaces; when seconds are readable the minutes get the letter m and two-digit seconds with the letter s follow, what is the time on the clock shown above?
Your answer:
4h30
